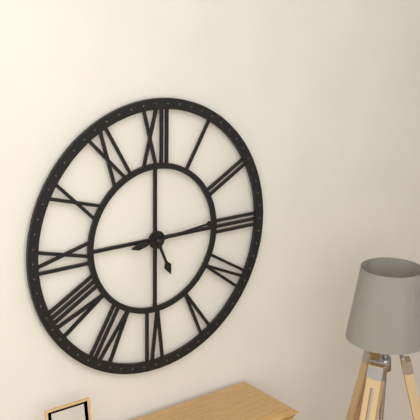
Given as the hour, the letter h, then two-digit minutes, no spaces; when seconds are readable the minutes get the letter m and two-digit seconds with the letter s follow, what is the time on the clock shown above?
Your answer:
5h14
